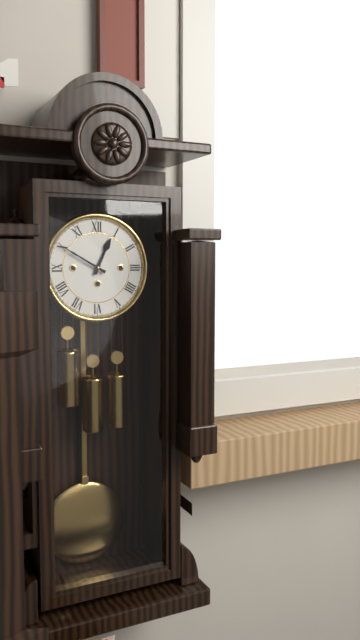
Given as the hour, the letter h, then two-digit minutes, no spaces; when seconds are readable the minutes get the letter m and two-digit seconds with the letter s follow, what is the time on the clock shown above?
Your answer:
12h50
